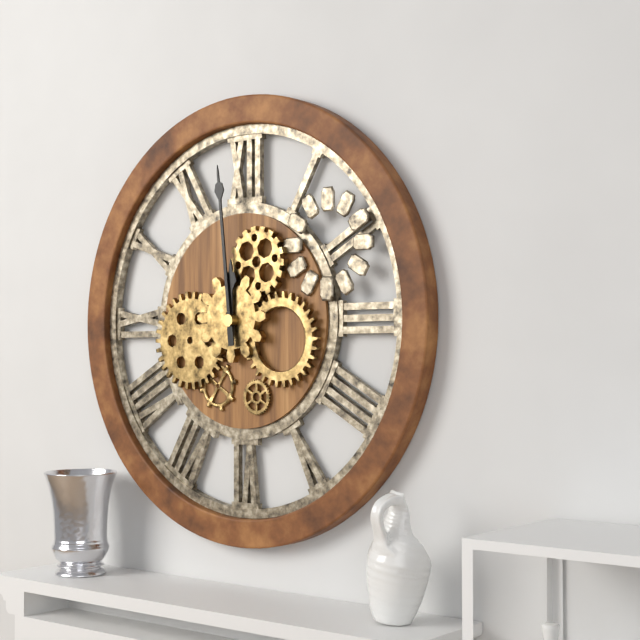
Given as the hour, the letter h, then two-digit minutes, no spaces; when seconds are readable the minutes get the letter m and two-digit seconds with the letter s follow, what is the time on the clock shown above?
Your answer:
11h59
